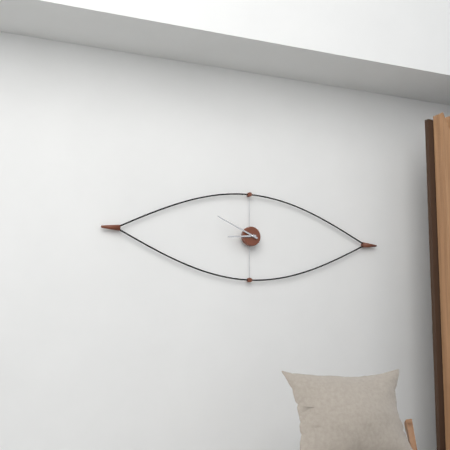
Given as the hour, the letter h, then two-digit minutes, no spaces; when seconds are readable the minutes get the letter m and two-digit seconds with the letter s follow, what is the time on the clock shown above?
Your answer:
8h49
